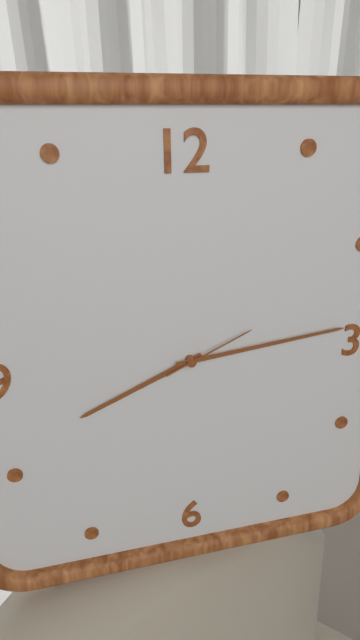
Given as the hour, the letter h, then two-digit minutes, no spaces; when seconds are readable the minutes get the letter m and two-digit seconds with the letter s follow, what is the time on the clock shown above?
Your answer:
8h14m11s
